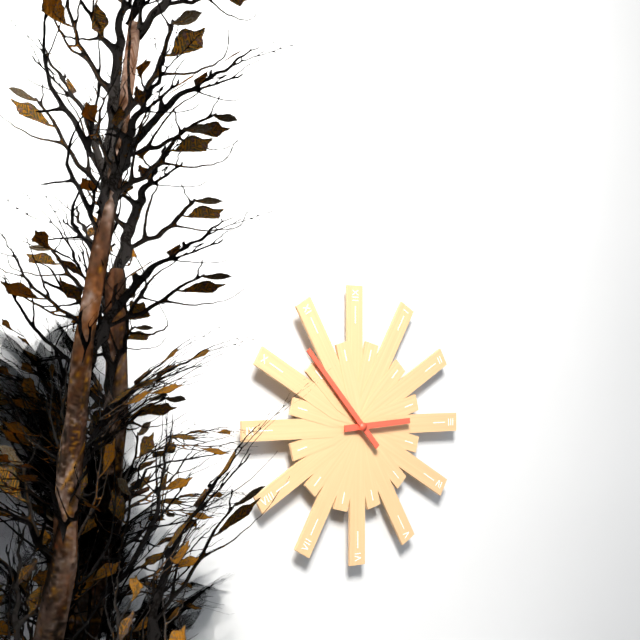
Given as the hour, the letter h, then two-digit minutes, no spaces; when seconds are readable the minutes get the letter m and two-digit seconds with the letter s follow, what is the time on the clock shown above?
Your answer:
2h53
